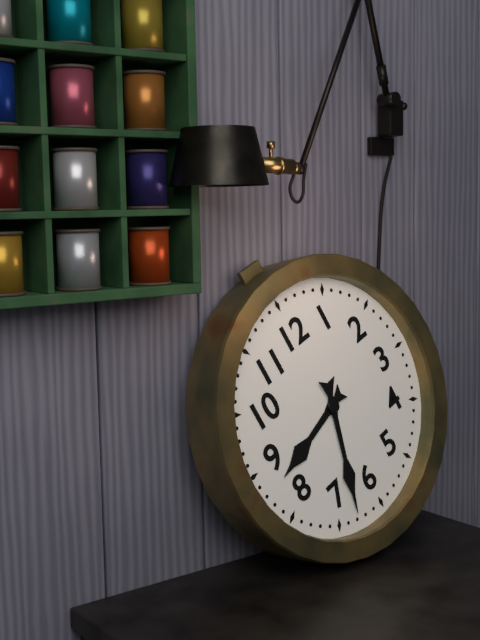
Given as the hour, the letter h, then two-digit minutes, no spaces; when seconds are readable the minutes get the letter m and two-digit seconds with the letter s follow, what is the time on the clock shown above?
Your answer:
8h33
